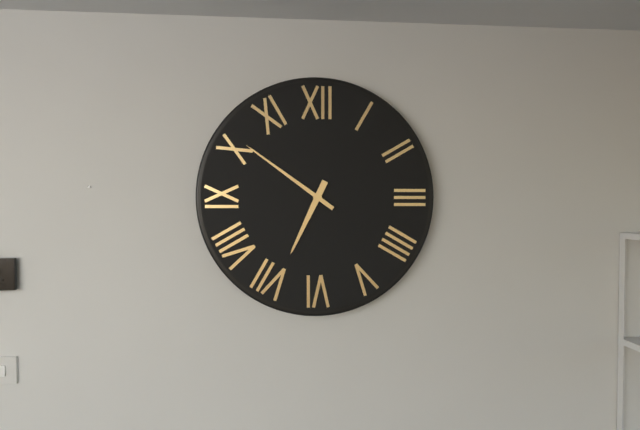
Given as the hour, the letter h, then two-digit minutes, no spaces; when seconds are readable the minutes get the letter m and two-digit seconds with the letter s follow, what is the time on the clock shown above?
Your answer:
6h51
